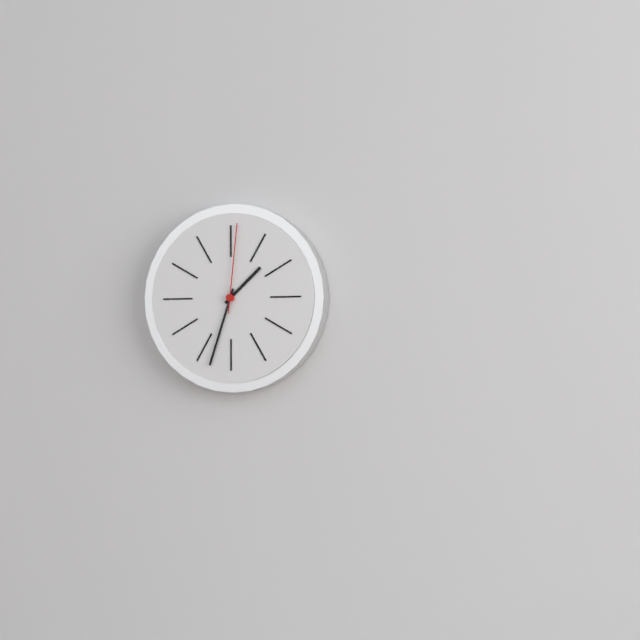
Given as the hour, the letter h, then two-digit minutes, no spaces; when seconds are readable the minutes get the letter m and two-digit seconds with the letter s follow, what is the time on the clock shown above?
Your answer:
1h33m01s
